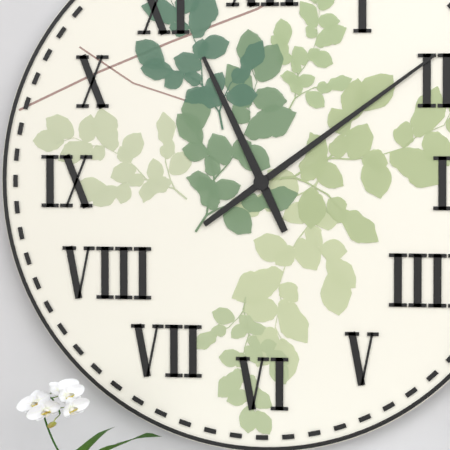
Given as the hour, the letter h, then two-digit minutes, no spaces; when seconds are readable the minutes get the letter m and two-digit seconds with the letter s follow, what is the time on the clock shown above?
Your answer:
11h09
